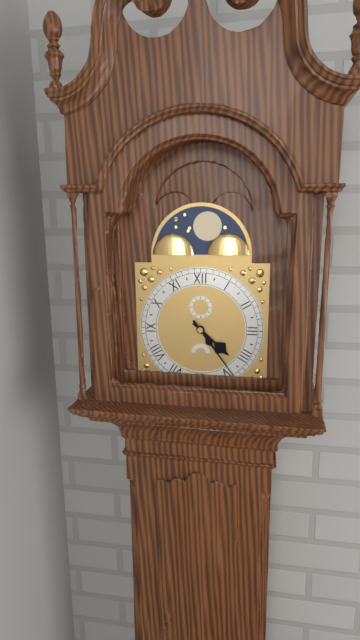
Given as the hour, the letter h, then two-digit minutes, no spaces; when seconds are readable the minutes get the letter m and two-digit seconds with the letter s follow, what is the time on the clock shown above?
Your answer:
4h24
